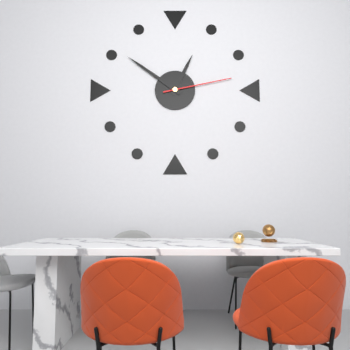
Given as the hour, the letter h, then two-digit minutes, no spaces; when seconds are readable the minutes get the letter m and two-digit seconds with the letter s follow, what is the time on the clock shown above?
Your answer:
12h51m13s
